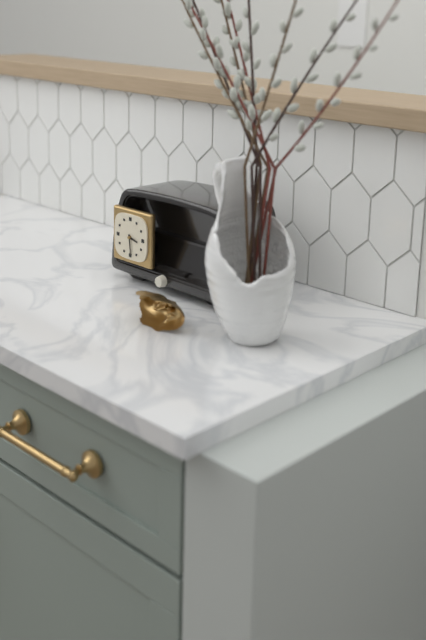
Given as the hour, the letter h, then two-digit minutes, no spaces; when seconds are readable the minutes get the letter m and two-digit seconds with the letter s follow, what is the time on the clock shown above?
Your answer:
3h29
